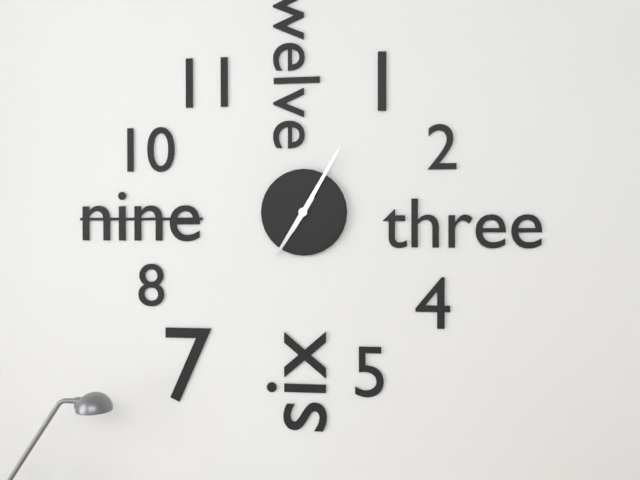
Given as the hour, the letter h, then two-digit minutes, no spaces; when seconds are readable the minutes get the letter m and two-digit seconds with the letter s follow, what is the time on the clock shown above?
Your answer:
7h05
